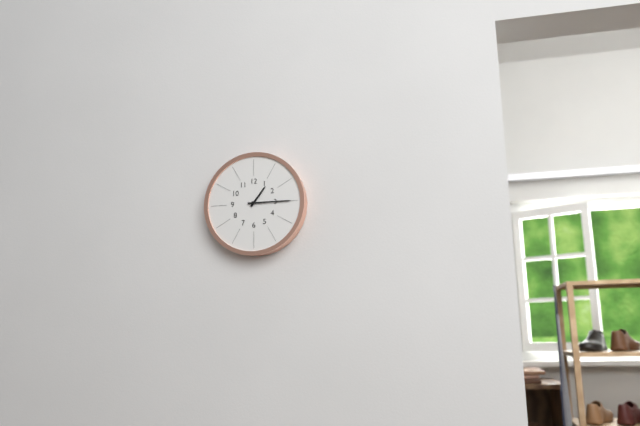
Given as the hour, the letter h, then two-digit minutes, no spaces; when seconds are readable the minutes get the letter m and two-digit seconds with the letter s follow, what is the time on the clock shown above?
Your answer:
1h15
